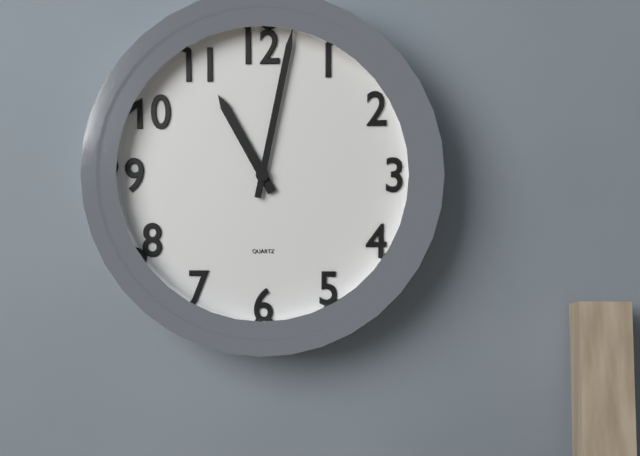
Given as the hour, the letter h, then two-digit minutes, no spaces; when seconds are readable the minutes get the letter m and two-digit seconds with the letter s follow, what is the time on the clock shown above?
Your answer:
11h02
